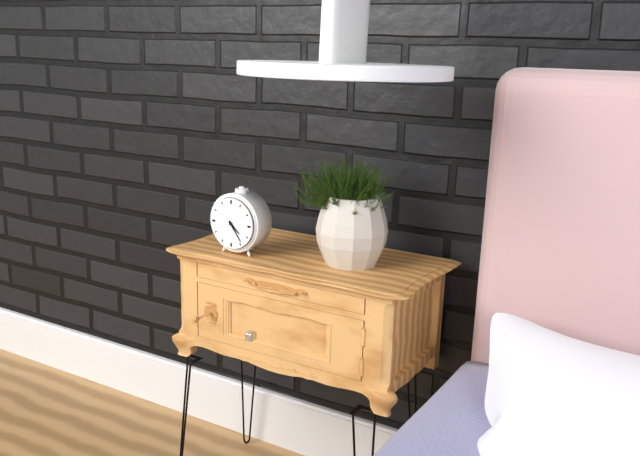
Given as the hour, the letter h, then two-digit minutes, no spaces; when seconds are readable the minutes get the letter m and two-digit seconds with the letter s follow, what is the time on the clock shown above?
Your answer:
4h24
